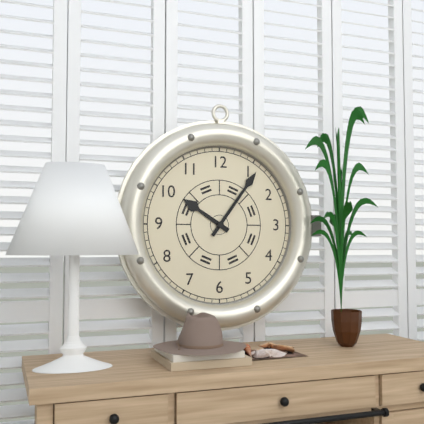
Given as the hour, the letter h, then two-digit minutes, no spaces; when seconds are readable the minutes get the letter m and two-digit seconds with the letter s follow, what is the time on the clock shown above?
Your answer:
10h06
